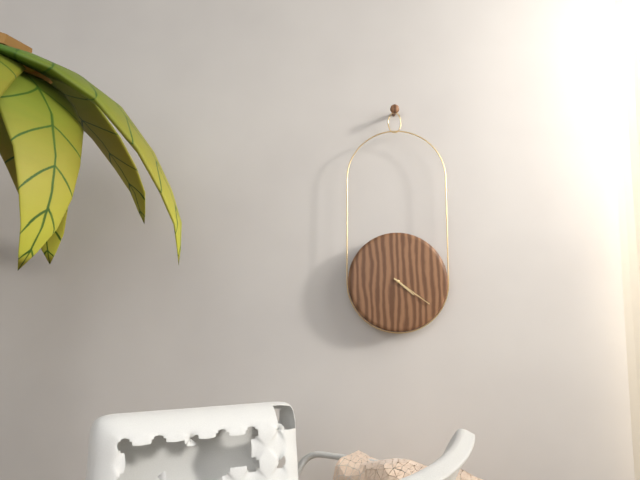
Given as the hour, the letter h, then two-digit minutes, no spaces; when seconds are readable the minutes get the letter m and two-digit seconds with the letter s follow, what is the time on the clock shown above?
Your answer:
4h21
